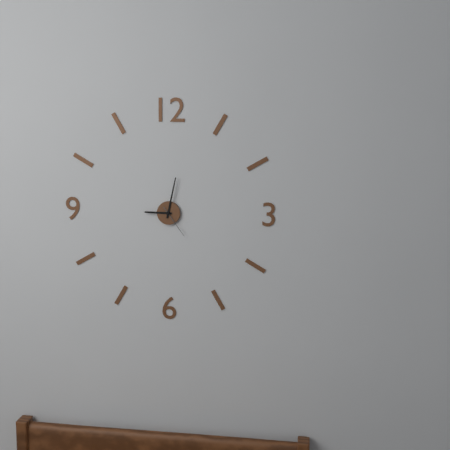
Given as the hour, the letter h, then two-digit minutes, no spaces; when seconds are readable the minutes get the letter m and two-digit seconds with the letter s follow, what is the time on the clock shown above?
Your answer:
9h02
